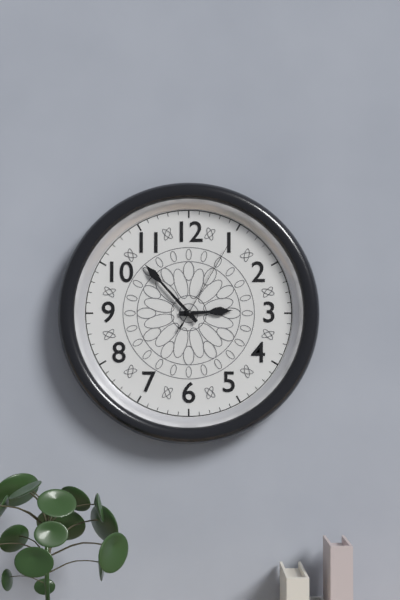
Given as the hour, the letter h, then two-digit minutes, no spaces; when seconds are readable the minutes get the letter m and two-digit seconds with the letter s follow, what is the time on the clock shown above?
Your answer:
2h53m05s
